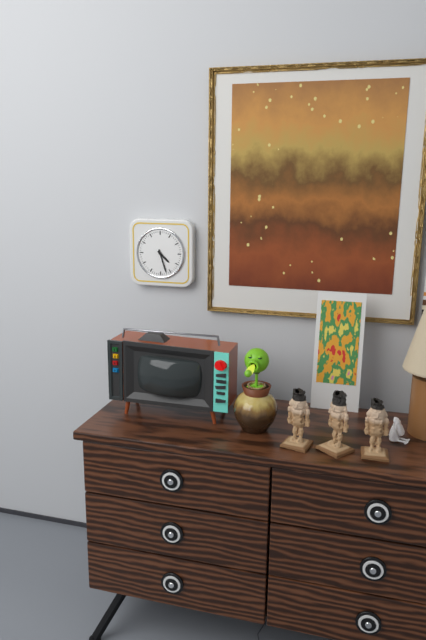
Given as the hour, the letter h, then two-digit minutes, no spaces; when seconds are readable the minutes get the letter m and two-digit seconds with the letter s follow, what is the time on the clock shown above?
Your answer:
4h27
